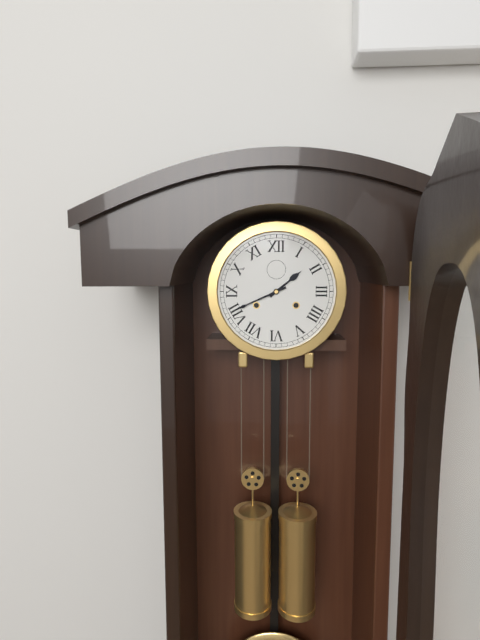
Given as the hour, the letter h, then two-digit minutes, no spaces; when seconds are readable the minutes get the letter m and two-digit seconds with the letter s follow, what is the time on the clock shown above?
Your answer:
1h41
